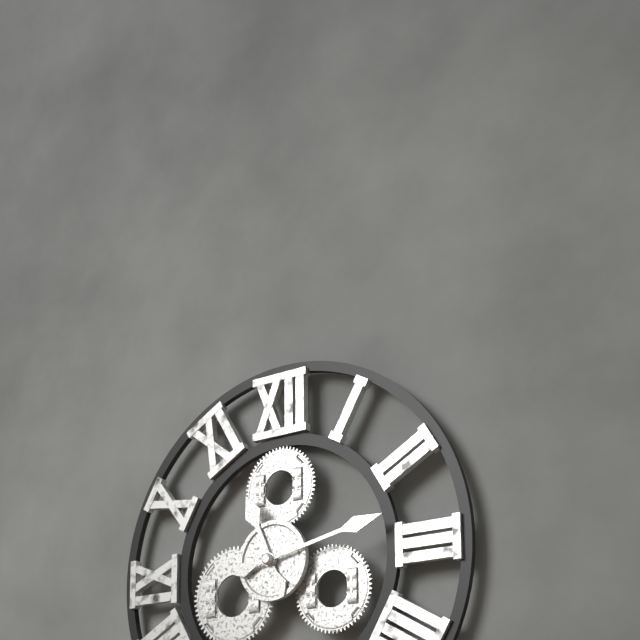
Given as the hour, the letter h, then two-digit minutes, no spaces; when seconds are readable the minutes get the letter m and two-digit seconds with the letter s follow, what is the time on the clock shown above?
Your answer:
11h13
